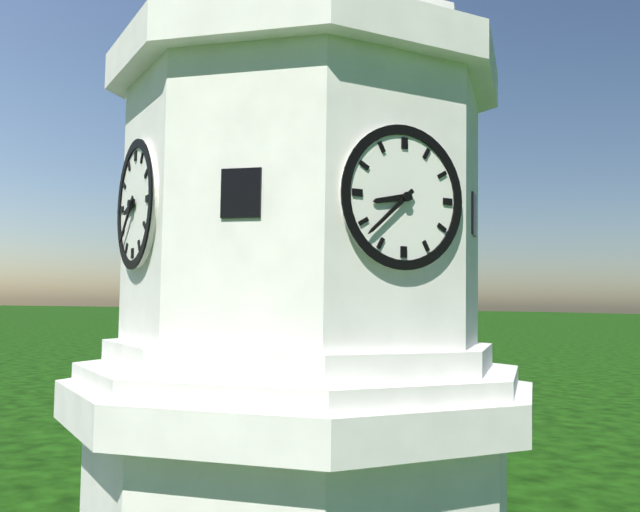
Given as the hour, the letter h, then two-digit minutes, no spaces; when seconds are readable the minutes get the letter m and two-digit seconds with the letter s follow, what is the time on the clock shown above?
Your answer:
8h38
